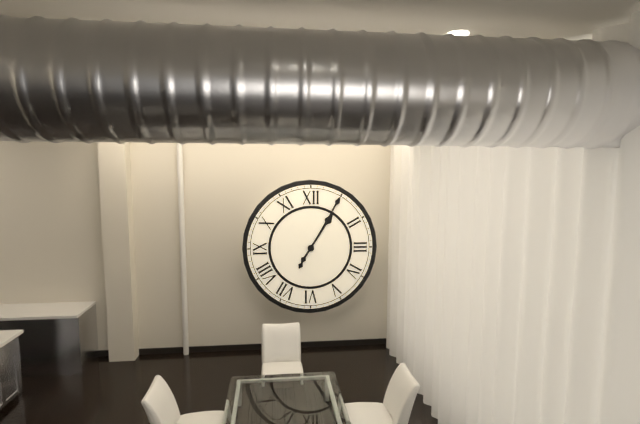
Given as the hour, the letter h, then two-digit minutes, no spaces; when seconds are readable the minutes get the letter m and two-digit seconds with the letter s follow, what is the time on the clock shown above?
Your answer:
1h05
